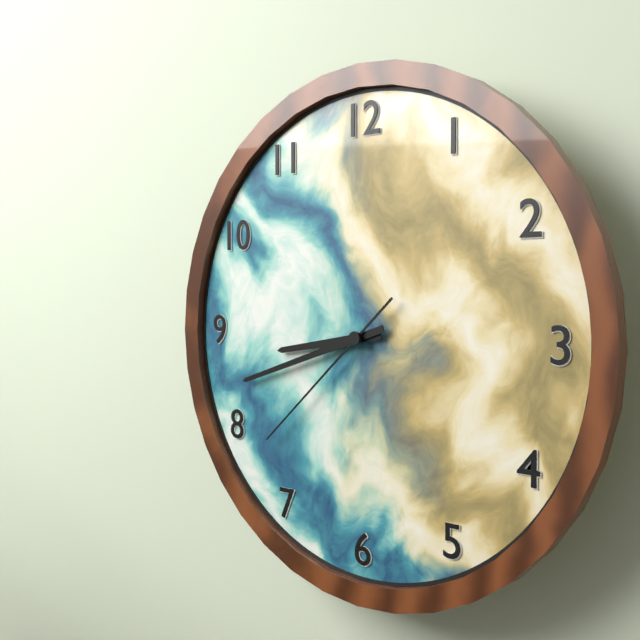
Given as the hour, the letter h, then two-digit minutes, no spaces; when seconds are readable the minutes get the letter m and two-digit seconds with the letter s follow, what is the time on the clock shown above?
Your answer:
8h42m38s
